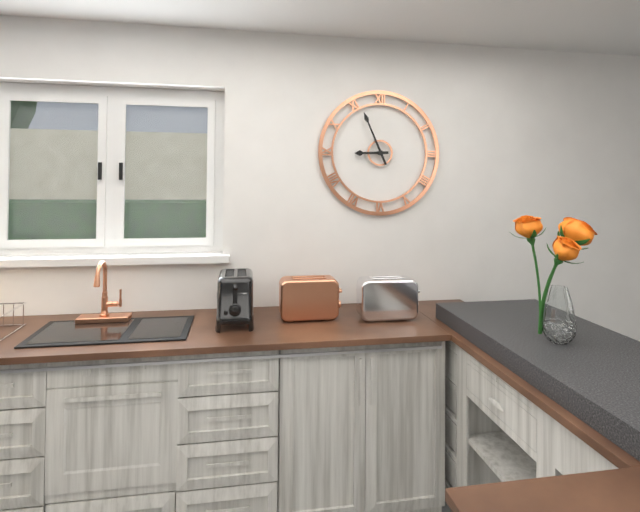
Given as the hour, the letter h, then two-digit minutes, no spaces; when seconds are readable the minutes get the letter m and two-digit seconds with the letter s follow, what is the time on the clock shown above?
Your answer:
8h56
